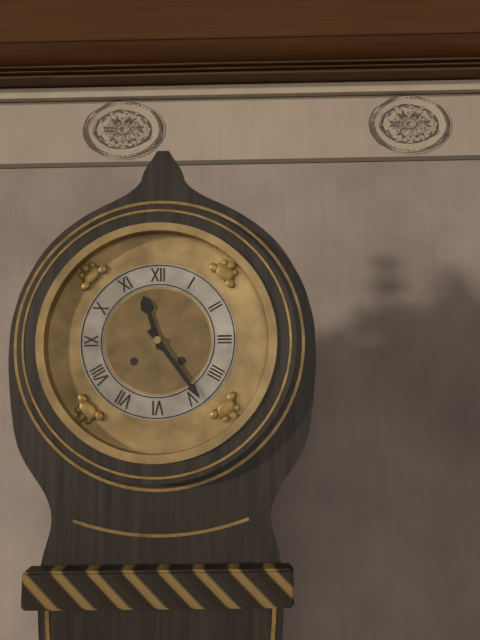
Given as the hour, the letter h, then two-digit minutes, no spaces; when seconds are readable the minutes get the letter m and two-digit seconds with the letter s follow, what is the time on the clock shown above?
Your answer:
11h24
